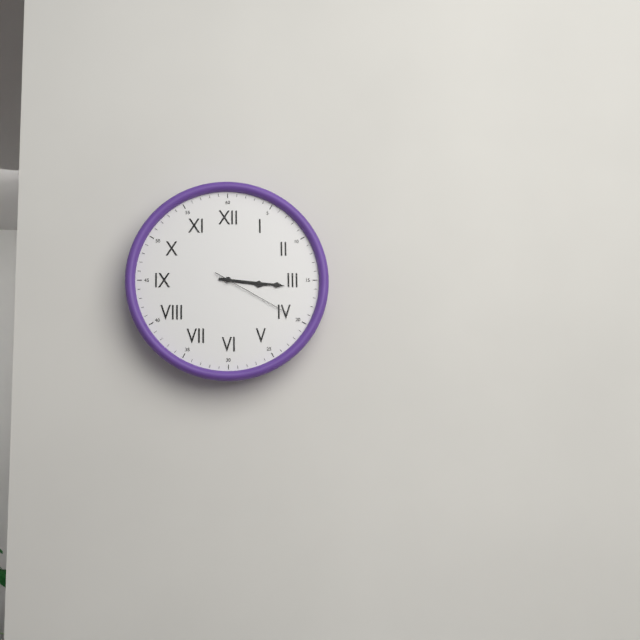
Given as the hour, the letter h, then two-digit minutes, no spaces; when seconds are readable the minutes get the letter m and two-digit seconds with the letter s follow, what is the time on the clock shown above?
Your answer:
3h16m20s
